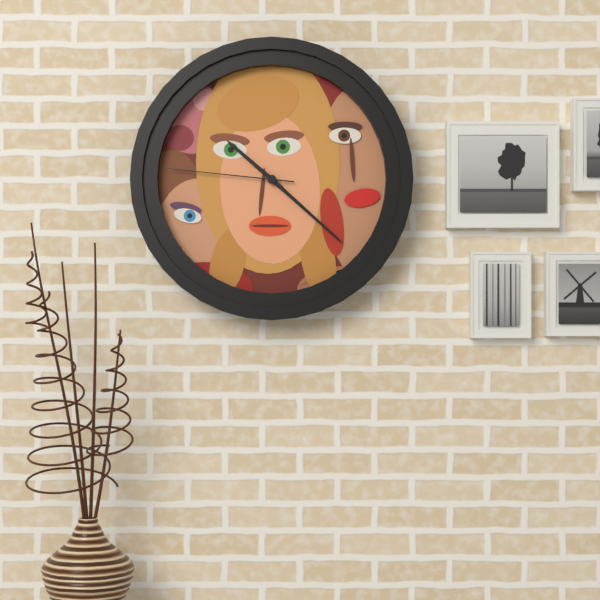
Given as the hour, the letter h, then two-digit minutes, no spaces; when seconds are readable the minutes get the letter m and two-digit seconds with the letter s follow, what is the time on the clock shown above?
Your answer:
10h22m46s
